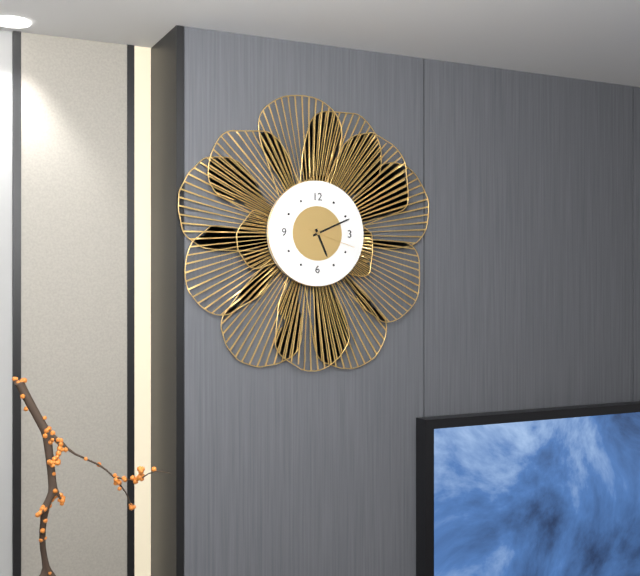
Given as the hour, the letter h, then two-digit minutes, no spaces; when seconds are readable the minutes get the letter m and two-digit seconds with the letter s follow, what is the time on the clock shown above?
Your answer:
5h11
